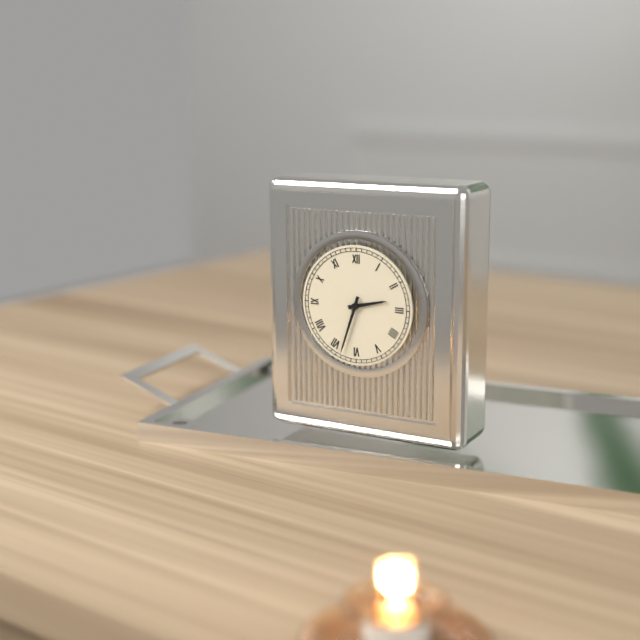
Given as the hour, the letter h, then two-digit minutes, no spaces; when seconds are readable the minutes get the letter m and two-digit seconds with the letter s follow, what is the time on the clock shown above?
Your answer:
2h33
